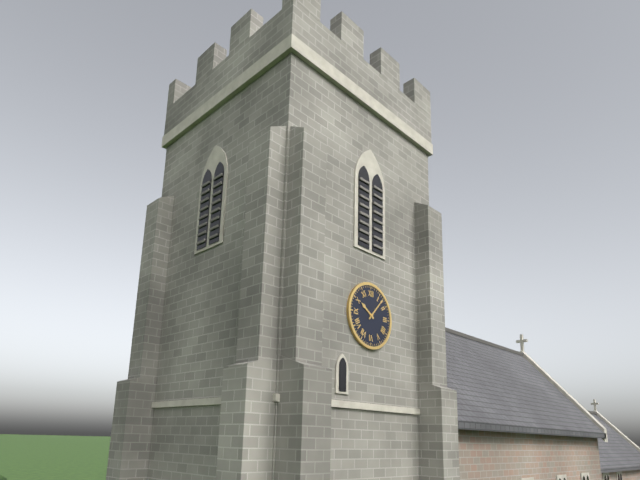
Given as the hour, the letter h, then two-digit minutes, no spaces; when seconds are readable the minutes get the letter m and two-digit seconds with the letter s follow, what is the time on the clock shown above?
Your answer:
10h07
